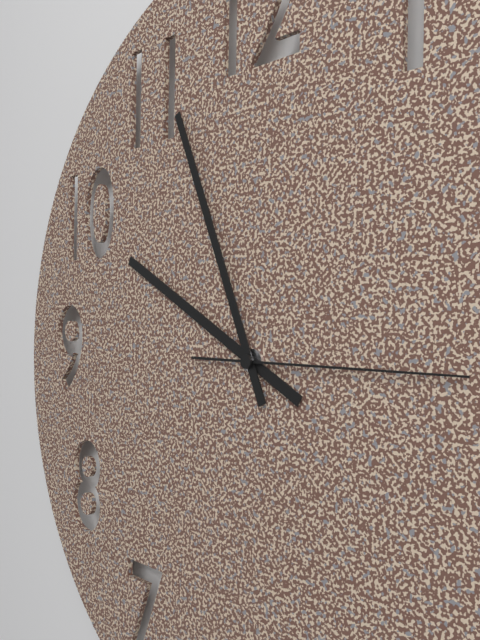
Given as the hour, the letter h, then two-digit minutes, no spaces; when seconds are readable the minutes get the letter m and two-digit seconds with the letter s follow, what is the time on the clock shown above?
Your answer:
9h56m15s
